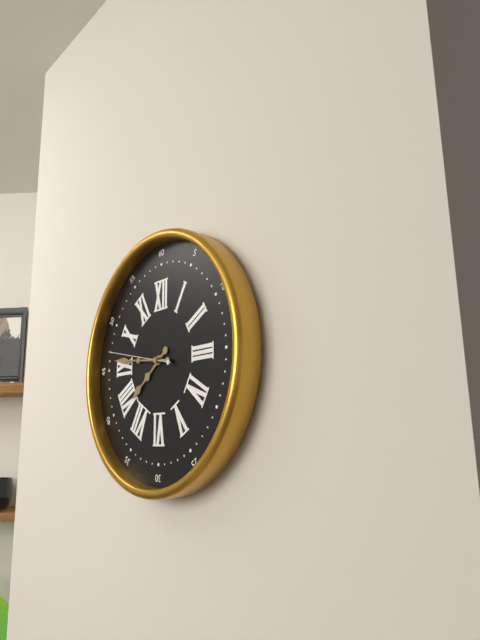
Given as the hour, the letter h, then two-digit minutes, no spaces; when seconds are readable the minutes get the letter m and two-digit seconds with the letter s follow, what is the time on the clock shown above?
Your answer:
7h46m47s
